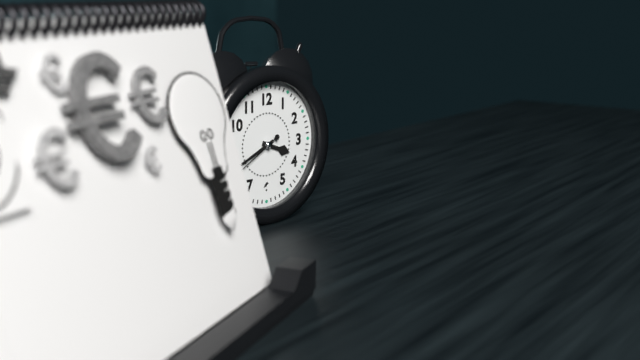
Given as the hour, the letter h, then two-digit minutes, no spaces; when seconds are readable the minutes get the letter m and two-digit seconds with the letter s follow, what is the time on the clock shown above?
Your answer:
3h41
